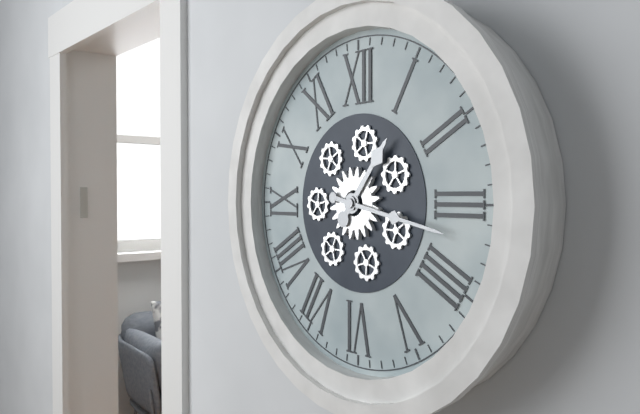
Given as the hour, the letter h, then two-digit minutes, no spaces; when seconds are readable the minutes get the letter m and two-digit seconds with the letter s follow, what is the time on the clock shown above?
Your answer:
1h17
